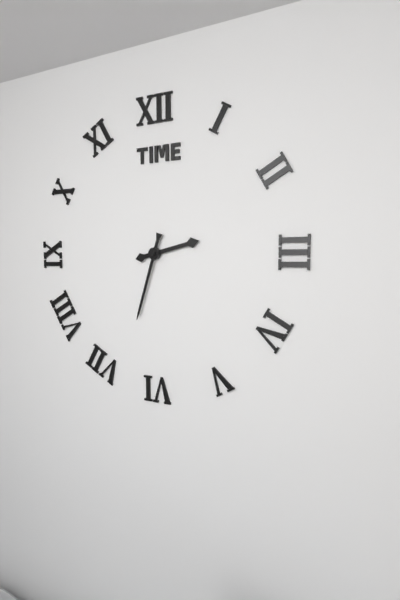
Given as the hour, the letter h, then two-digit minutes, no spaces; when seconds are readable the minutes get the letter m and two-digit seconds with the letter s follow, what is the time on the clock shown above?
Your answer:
2h33
